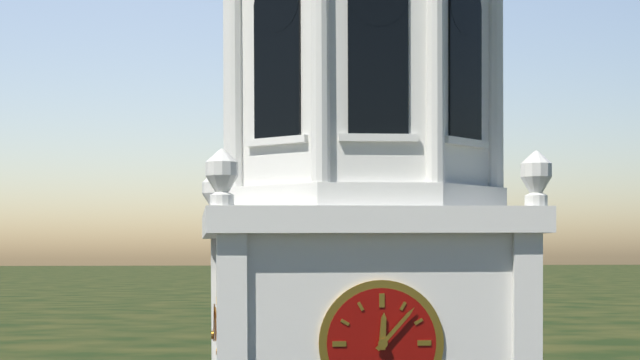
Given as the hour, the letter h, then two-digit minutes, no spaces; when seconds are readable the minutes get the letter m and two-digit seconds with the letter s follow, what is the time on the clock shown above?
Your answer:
12h07
